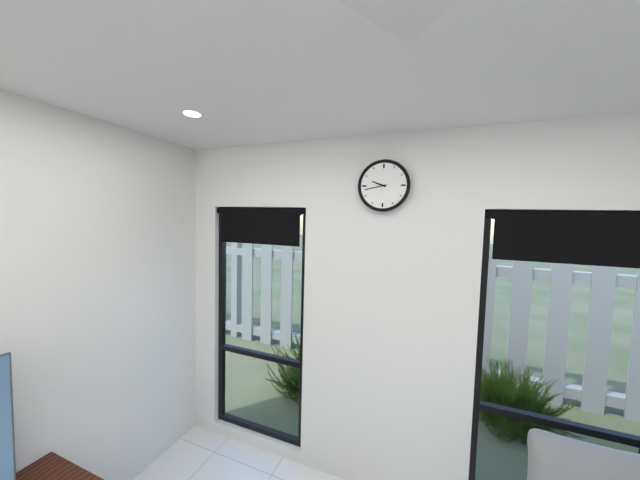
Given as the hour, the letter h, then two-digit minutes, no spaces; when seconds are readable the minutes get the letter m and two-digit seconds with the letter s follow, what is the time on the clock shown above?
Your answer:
9h43
